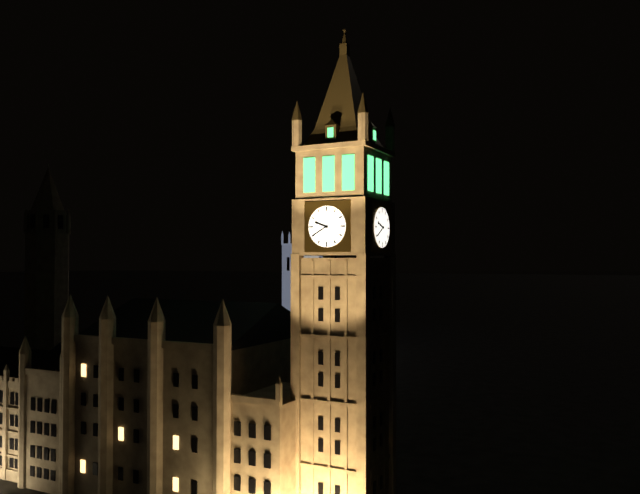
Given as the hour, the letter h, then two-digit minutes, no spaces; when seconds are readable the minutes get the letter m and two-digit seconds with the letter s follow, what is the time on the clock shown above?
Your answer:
9h40
